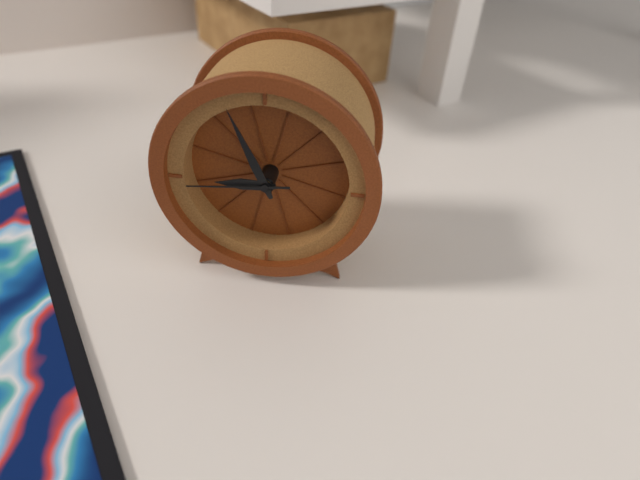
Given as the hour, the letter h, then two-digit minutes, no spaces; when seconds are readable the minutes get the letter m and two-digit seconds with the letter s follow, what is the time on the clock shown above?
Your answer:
8h56m44s
